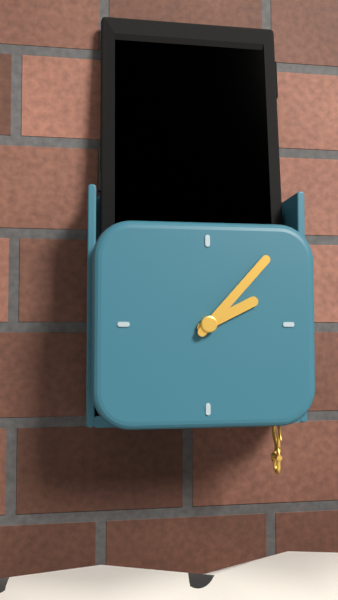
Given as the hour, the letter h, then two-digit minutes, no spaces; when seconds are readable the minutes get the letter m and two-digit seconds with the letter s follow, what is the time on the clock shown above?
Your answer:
2h07
